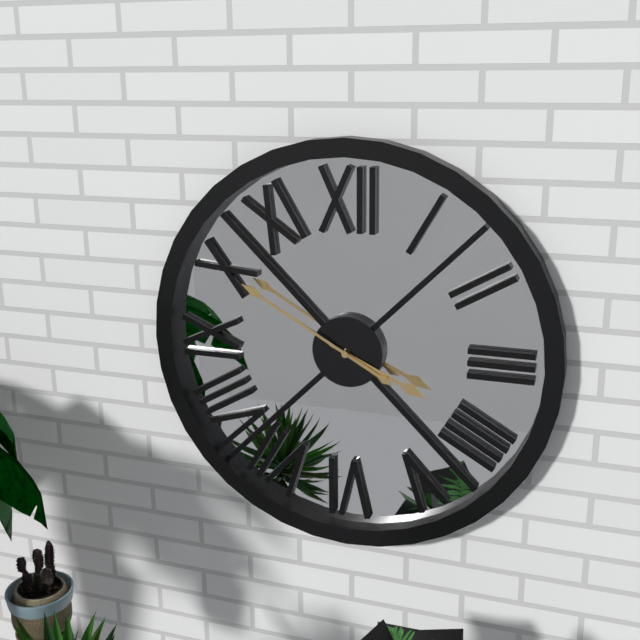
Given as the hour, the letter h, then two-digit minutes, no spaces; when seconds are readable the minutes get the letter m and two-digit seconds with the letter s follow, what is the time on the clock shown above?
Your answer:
3h50
